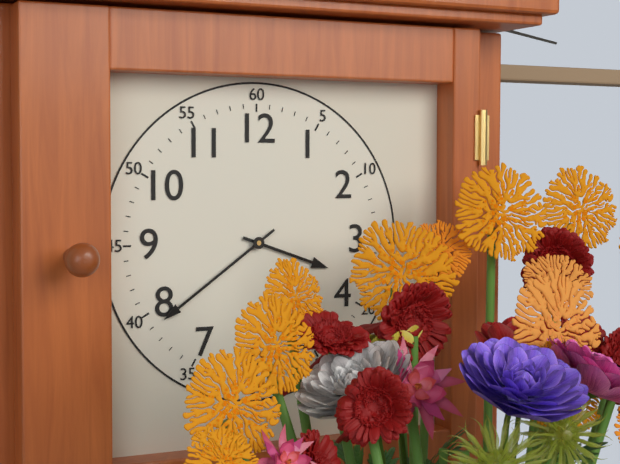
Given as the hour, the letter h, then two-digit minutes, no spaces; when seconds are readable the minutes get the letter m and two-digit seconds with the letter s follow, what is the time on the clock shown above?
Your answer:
3h39
